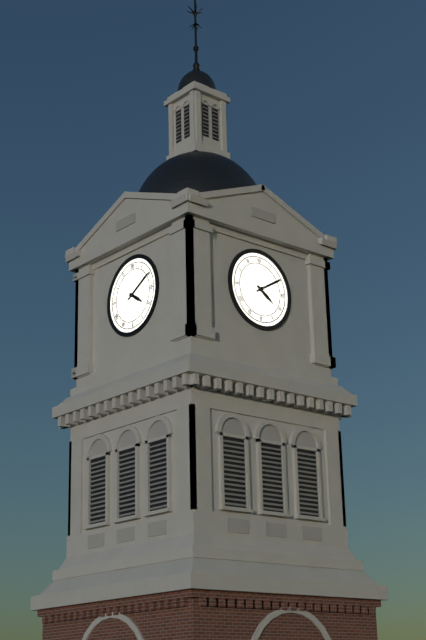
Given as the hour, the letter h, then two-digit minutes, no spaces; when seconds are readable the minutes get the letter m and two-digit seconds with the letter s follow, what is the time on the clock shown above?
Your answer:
4h10
